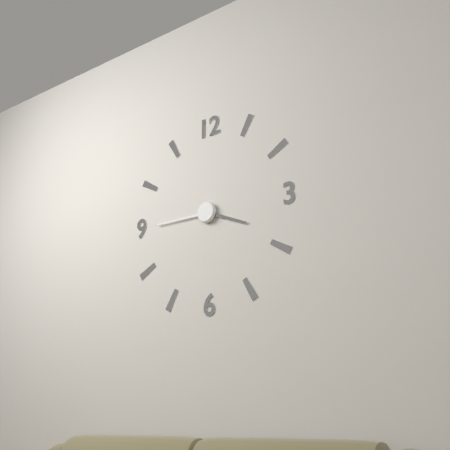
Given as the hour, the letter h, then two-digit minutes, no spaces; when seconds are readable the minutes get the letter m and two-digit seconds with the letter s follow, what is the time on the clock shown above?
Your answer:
3h45
